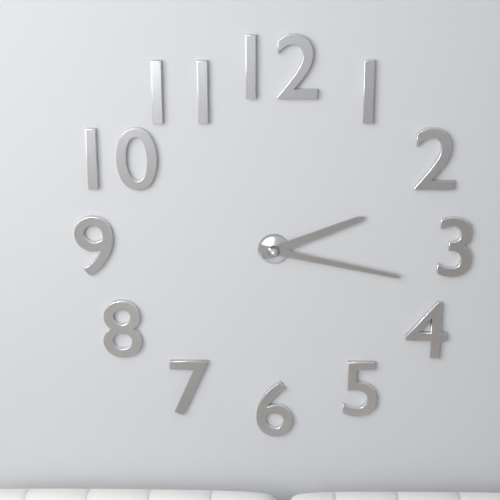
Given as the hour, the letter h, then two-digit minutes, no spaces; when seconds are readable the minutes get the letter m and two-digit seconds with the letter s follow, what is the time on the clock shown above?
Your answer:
2h17
